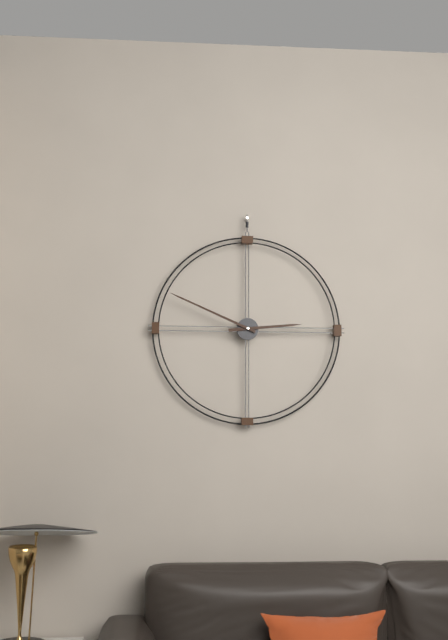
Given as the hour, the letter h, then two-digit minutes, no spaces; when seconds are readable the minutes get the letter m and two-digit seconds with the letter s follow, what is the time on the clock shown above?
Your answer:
2h49
